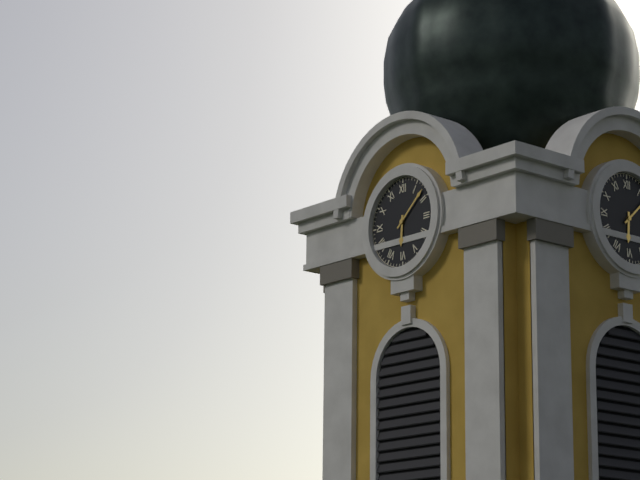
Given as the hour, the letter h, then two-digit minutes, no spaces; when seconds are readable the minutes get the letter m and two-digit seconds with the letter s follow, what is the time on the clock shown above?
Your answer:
6h08
